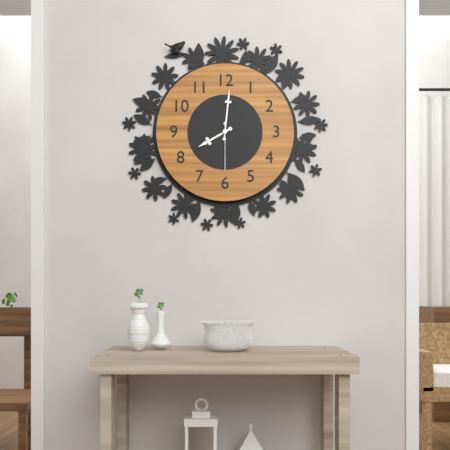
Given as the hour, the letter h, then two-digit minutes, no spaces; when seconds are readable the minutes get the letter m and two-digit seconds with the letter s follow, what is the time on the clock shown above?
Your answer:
8h01
